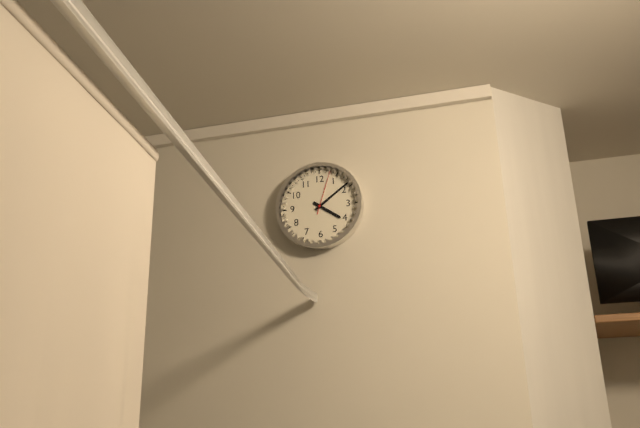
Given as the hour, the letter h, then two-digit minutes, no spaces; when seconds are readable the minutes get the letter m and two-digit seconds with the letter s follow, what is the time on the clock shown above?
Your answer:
4h09
